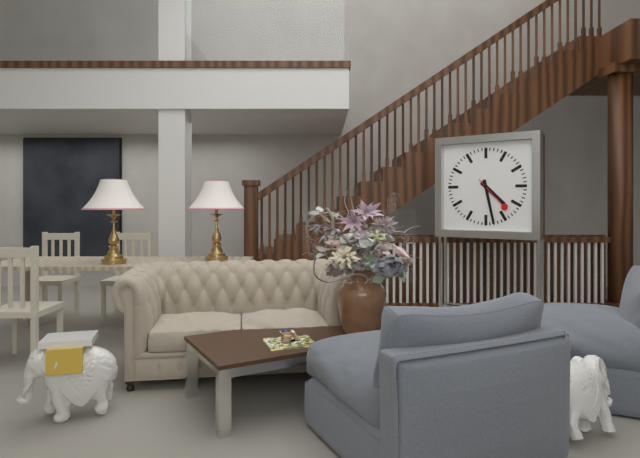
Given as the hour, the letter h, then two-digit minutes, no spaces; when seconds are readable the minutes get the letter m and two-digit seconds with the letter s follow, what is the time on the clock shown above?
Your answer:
4h28
